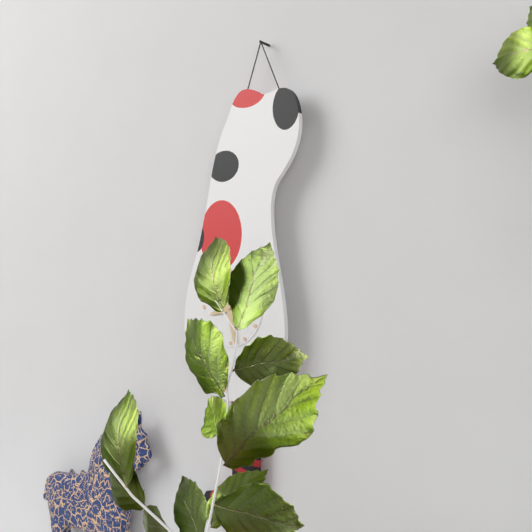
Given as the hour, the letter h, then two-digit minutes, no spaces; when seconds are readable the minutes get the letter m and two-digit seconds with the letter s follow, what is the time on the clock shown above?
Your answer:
8h28
